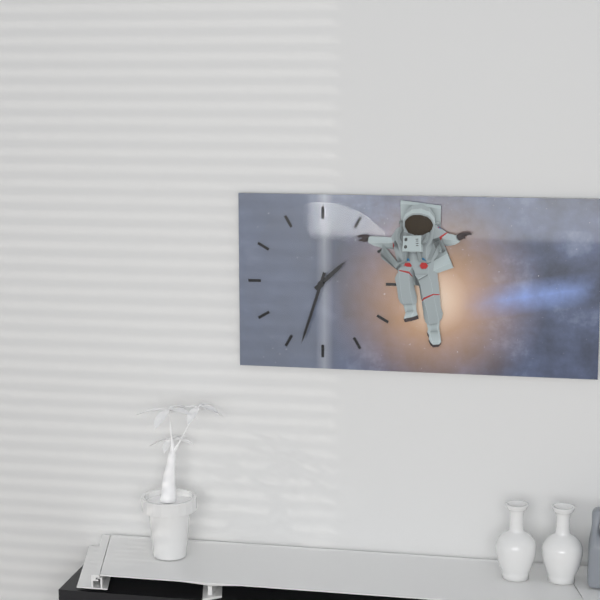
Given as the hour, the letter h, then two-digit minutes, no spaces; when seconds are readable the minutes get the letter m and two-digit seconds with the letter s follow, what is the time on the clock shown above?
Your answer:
1h33
